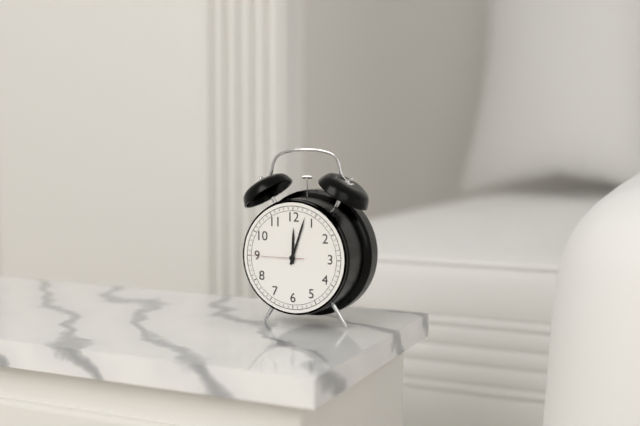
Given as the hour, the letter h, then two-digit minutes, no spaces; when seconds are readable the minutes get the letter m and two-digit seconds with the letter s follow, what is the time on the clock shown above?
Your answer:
12h03m45s
